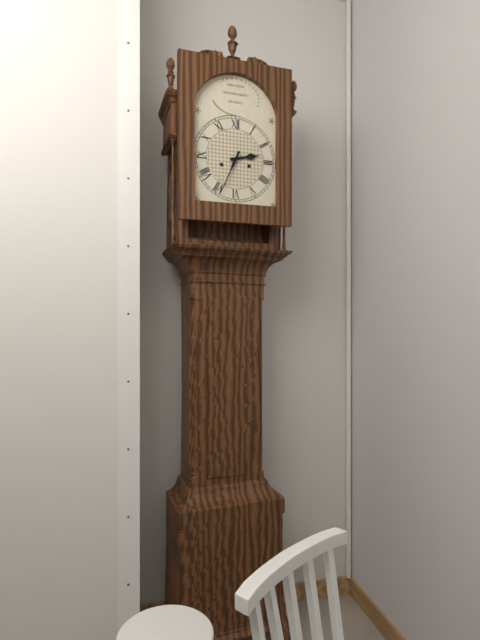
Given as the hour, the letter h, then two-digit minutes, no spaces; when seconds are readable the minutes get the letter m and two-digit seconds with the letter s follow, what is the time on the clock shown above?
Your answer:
2h34
